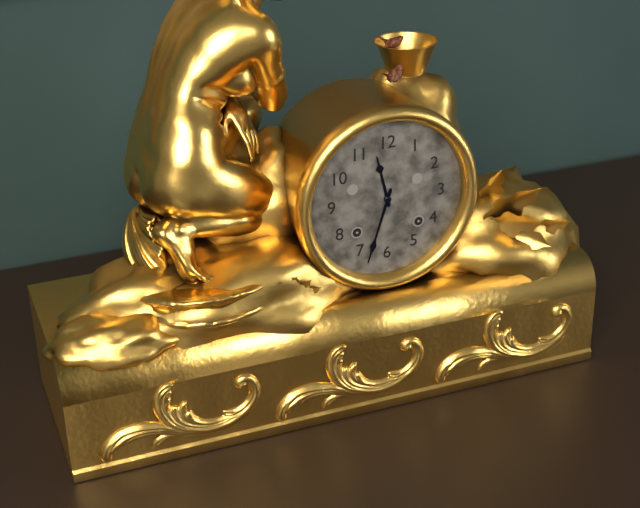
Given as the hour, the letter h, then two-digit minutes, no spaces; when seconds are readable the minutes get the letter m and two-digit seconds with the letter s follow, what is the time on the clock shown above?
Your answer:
11h33
